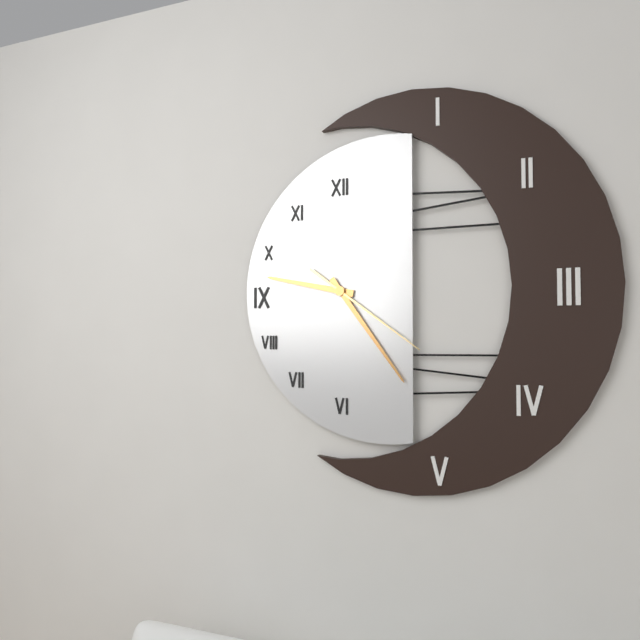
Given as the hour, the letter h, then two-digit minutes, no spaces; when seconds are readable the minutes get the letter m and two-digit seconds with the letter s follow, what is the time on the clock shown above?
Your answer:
9h24m21s
